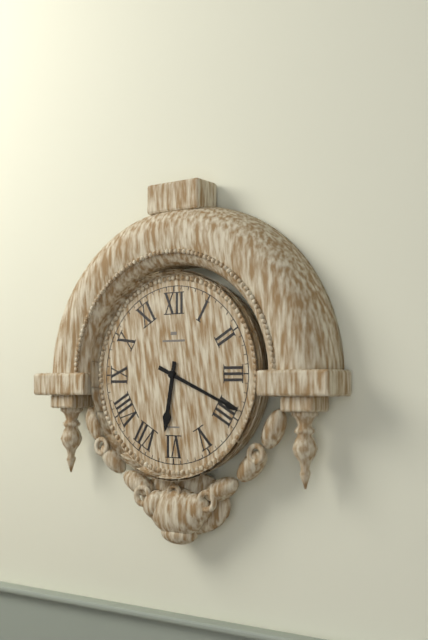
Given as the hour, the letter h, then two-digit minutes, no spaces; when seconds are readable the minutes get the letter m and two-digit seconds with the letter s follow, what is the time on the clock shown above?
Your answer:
6h19
